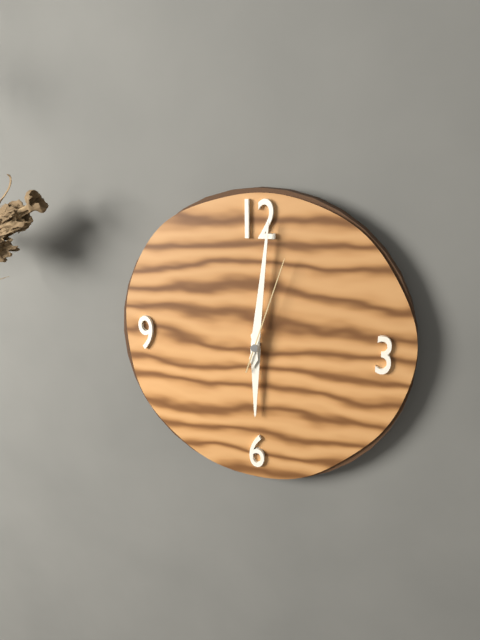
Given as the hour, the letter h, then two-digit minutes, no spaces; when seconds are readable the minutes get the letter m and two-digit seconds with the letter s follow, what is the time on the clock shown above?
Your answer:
6h01m03s
